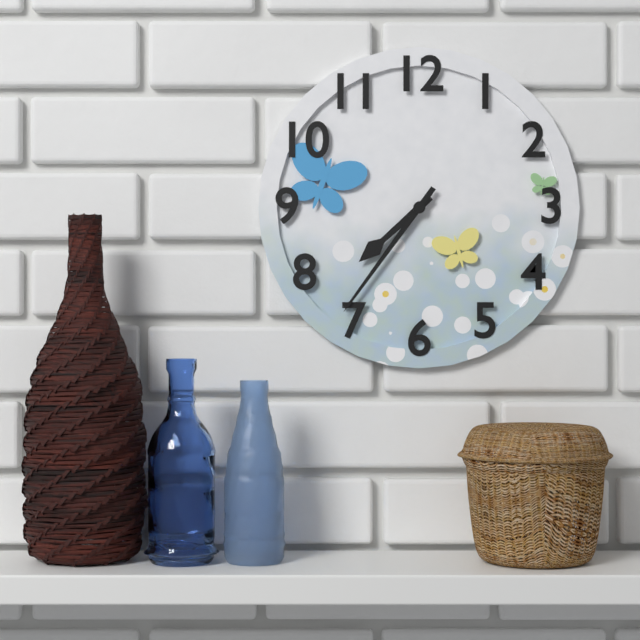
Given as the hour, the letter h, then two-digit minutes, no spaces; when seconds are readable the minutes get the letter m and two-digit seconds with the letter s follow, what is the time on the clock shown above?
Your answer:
7h36
